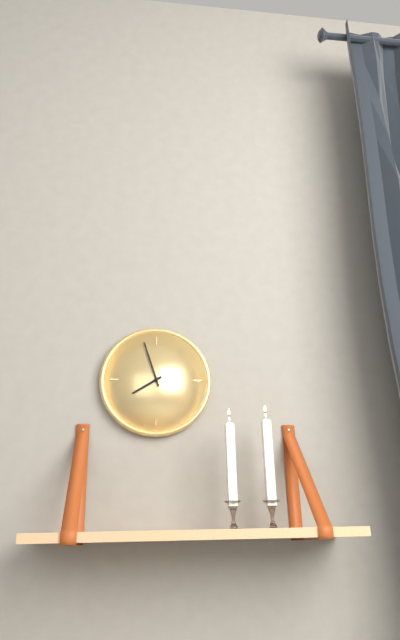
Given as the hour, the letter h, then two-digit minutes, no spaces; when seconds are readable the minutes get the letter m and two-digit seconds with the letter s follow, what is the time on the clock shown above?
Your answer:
7h57
